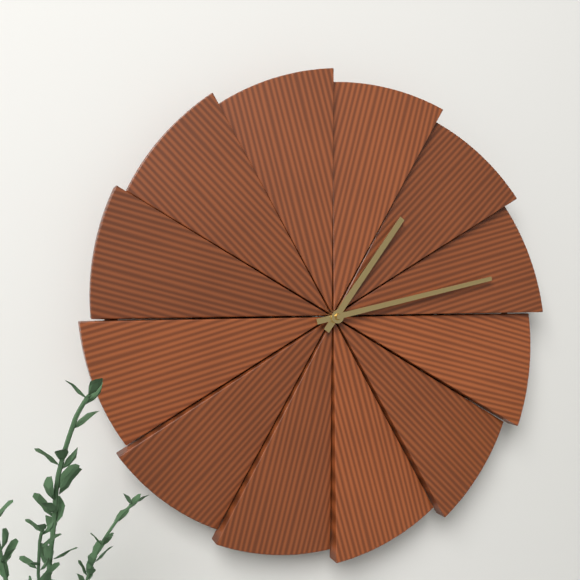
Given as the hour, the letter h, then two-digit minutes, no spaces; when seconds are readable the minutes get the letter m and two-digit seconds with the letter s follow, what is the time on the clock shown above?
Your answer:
1h13
